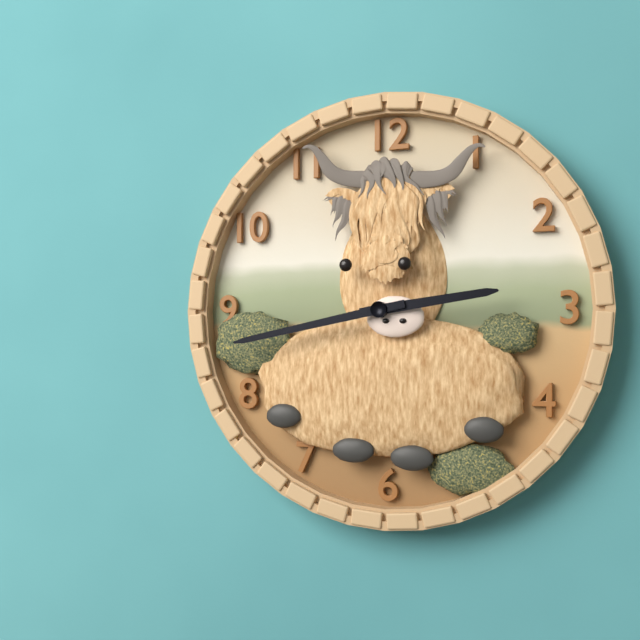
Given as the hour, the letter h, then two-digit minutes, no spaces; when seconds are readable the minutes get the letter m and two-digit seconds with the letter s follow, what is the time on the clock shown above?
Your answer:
2h43
